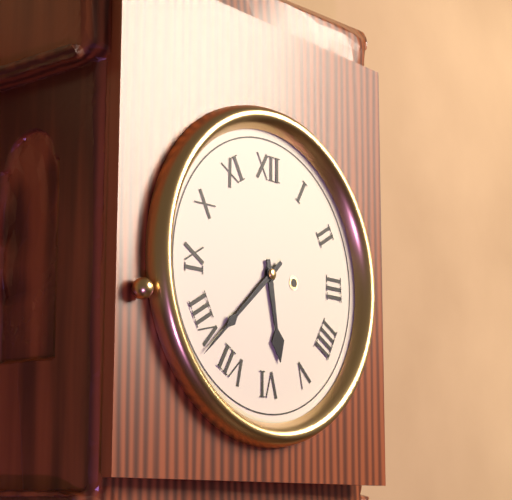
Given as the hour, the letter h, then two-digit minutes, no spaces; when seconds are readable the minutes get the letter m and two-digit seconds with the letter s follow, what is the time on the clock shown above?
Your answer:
5h38
